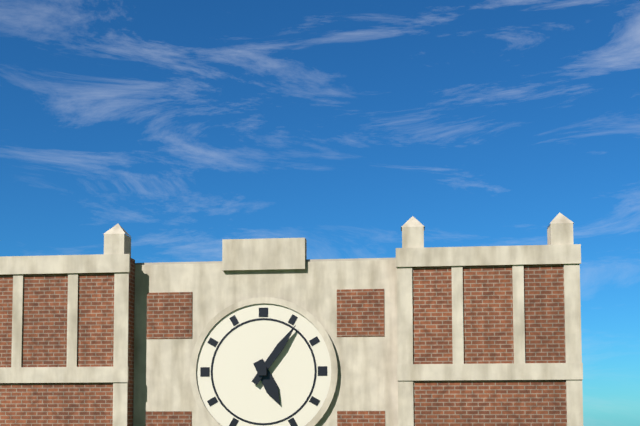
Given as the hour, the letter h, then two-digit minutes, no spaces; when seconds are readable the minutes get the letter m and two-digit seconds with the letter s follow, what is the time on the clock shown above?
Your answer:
5h06
